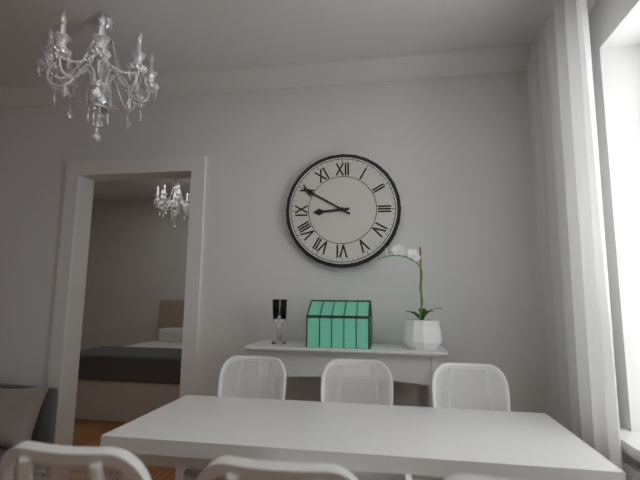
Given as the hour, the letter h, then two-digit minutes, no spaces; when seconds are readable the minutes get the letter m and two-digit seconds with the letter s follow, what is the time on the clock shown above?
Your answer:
8h50
